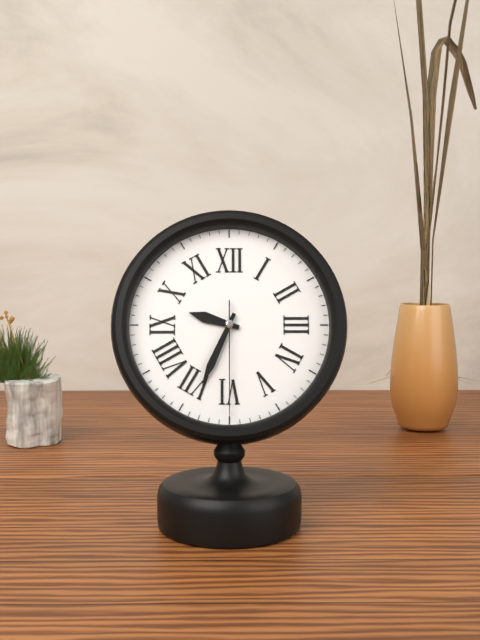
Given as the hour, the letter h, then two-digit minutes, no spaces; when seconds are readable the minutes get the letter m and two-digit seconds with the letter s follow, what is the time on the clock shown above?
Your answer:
9h34m30s
